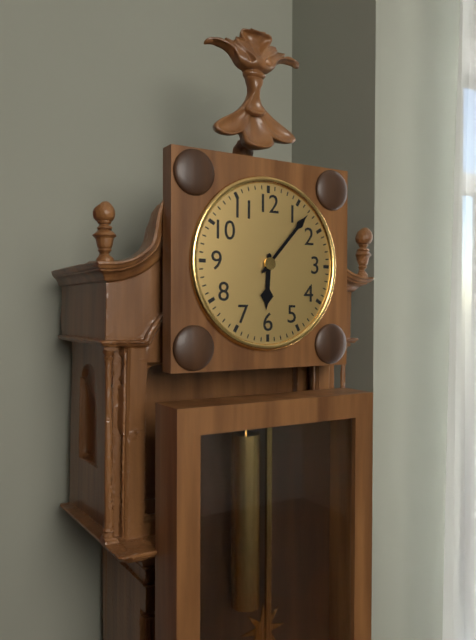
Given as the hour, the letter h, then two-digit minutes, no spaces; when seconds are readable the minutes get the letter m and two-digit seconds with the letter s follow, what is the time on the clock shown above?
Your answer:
6h07
